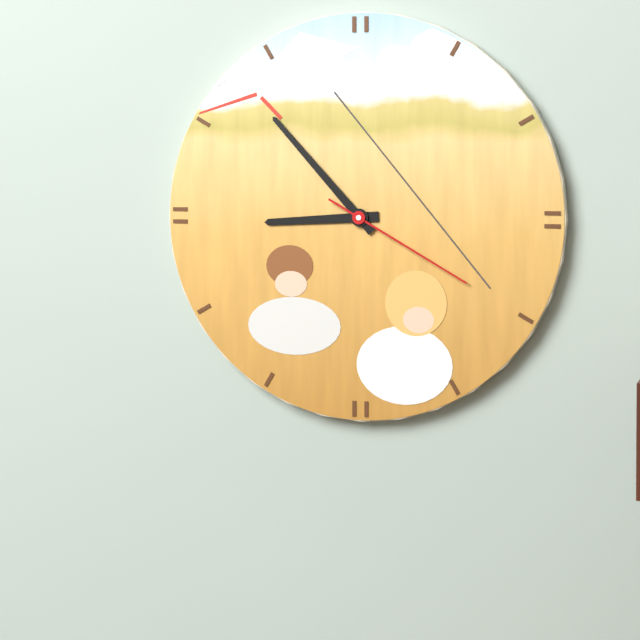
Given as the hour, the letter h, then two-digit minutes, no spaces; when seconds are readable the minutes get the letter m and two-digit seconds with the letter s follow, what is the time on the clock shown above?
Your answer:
8h53m20s
